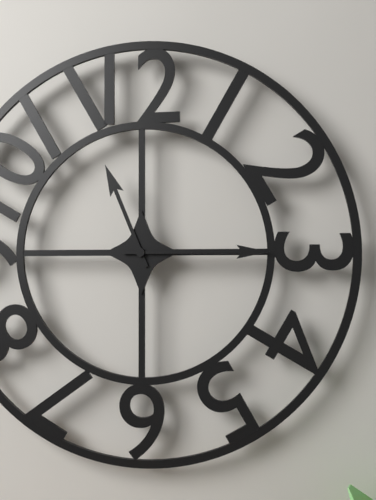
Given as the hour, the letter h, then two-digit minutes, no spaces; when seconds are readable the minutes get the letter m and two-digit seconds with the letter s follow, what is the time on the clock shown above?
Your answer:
11h15
